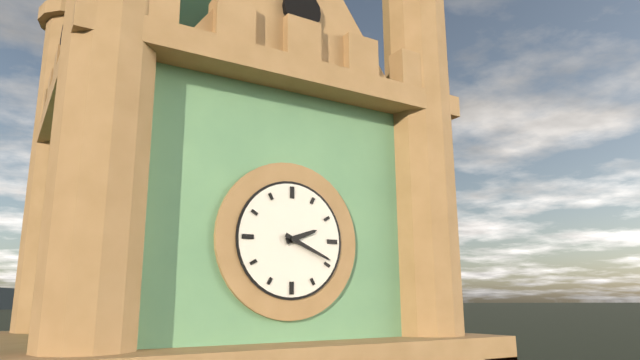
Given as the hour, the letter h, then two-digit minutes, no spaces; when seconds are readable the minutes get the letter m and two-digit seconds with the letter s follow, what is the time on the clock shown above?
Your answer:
2h19
